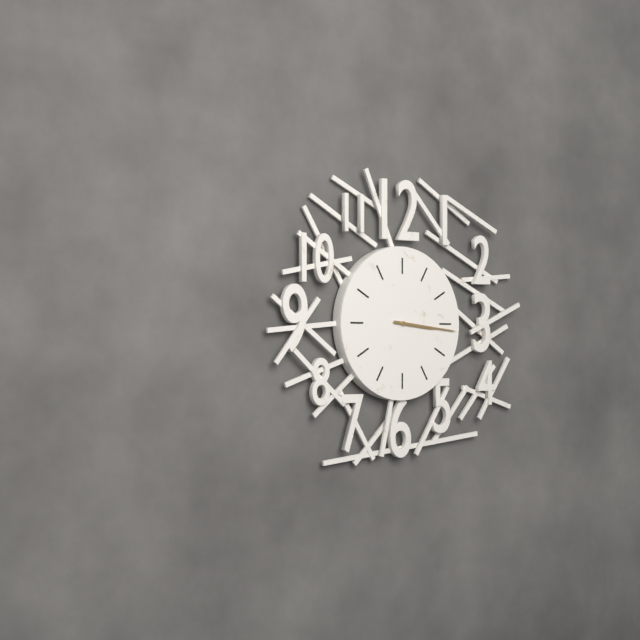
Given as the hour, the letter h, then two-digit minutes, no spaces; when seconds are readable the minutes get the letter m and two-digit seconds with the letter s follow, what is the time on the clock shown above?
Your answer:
3h16
